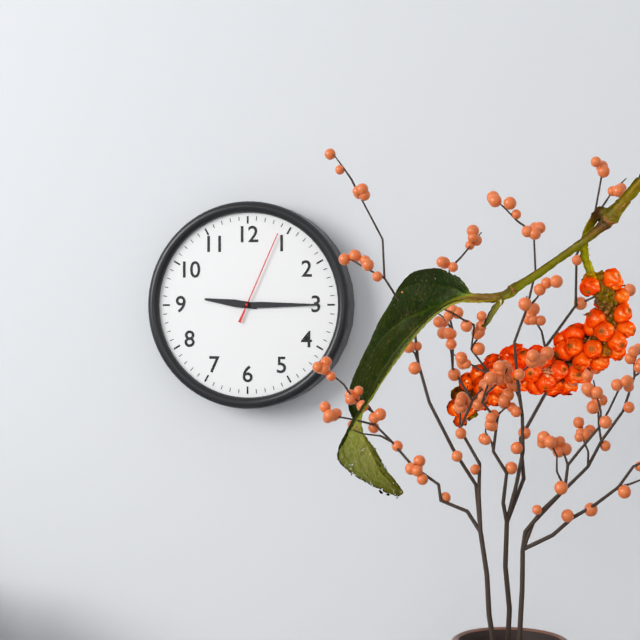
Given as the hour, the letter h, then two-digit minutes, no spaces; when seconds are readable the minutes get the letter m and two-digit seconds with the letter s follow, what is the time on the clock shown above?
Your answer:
9h15m04s
